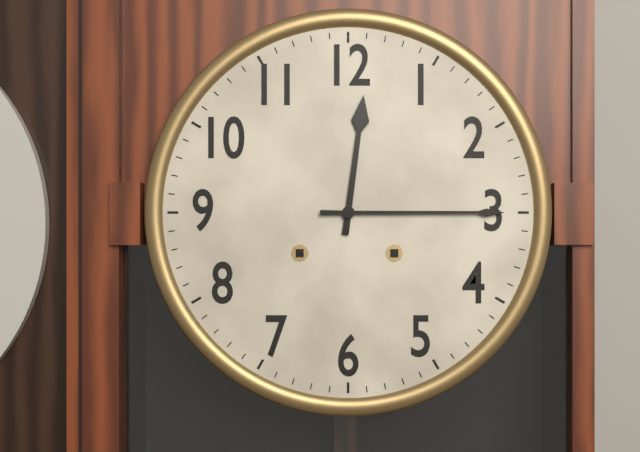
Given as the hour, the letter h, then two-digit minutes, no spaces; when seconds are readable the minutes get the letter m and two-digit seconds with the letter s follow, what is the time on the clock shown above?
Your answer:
12h15
